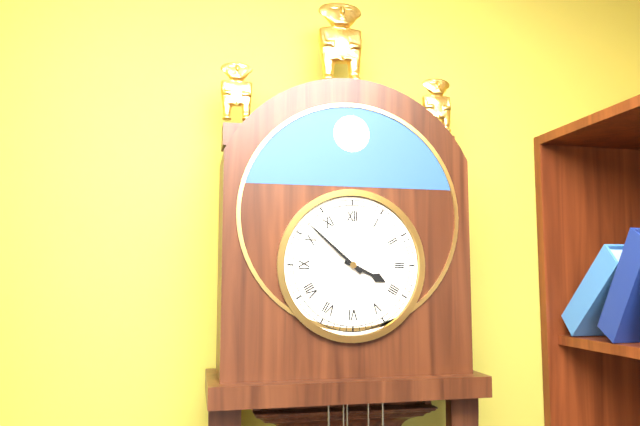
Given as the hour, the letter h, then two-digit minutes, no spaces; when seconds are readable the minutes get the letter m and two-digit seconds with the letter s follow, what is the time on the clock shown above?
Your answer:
3h52
